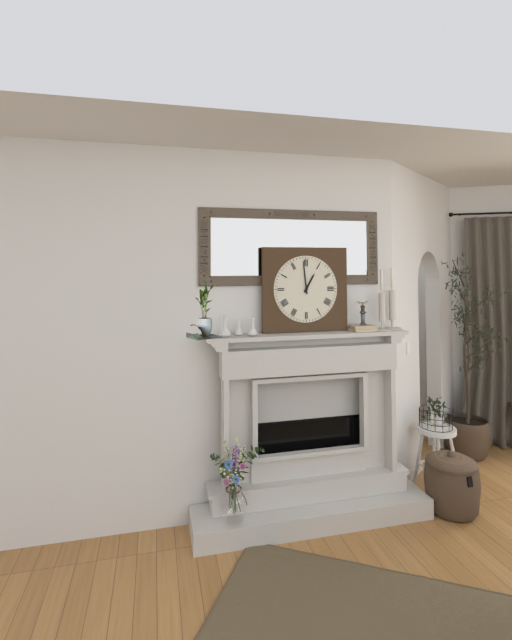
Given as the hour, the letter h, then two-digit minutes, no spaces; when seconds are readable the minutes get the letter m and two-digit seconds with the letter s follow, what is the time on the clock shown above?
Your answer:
12h59
